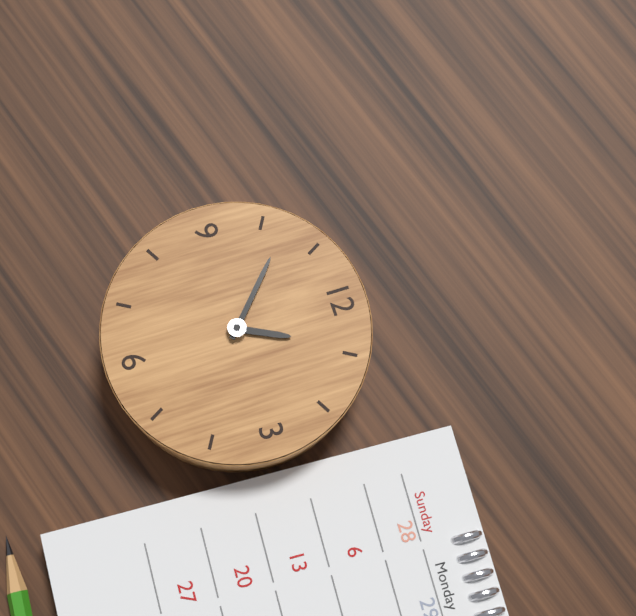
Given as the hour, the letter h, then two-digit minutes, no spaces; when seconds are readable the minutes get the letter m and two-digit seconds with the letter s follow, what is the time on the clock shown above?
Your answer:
12h52
